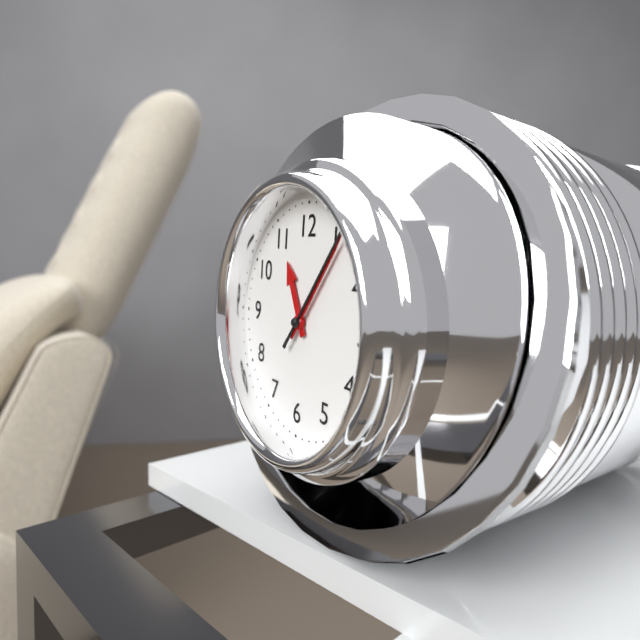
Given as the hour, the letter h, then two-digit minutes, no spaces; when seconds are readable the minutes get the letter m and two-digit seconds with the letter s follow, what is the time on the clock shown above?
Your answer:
11h06m06s
